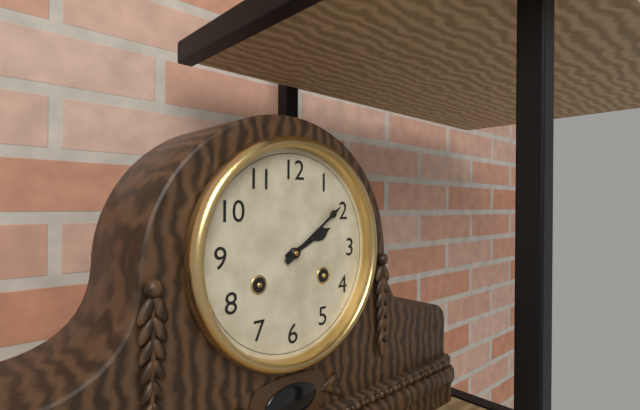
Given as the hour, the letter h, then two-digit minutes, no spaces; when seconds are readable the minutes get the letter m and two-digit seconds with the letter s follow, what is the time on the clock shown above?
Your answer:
2h09
